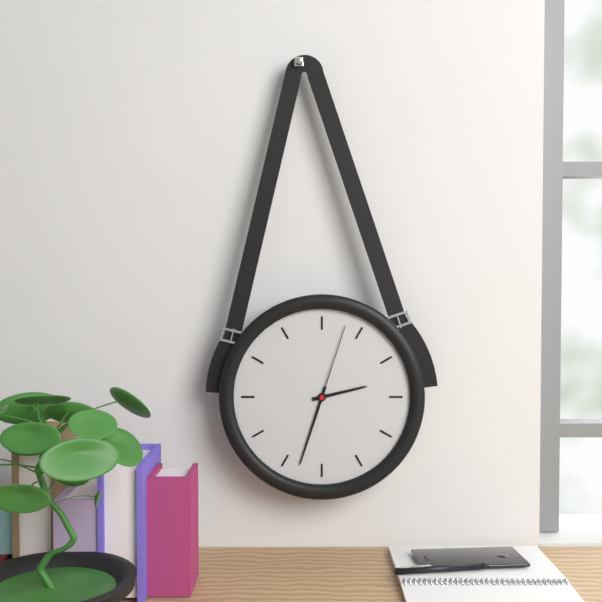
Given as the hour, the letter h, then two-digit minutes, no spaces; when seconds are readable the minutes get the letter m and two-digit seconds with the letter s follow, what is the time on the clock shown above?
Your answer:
2h33m03s
